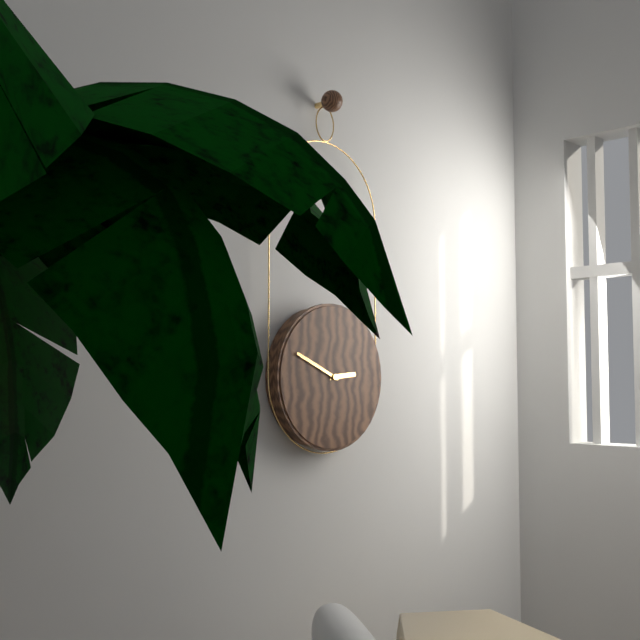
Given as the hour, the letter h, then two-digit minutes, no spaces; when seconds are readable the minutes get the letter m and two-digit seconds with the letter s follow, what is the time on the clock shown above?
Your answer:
2h49
